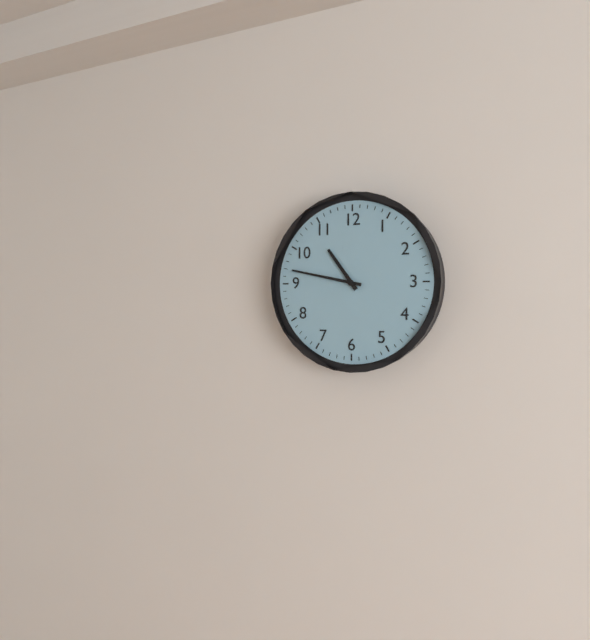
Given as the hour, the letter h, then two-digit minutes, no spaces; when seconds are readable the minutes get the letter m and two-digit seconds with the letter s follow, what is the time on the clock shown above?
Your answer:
10h47
